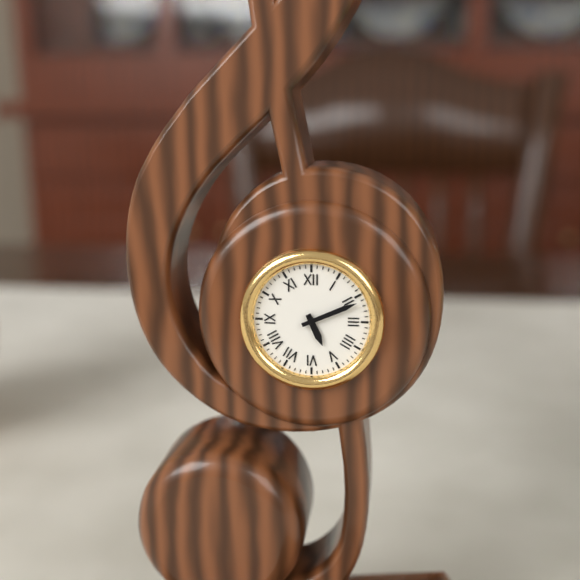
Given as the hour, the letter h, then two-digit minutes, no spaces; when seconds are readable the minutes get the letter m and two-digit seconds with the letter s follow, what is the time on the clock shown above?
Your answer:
5h11
